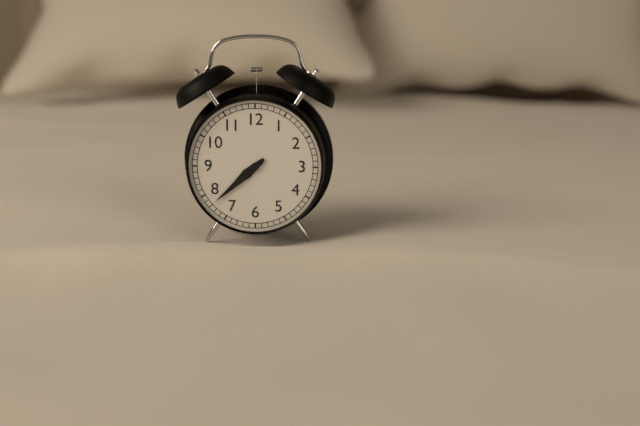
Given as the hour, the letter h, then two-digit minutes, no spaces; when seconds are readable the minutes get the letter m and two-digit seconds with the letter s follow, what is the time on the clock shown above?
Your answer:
7h38
